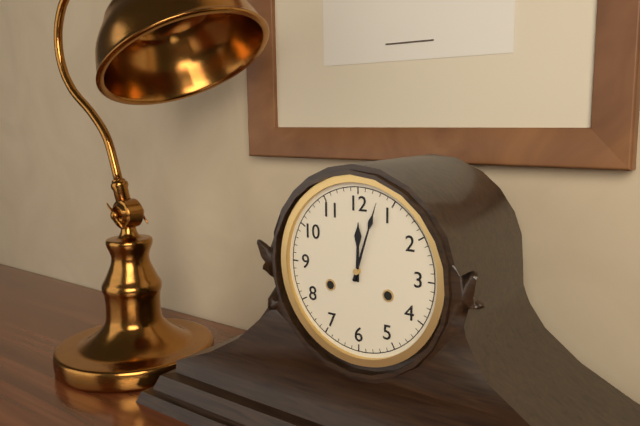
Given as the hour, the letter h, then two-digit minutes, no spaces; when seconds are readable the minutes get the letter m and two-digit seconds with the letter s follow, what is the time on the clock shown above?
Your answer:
12h03
